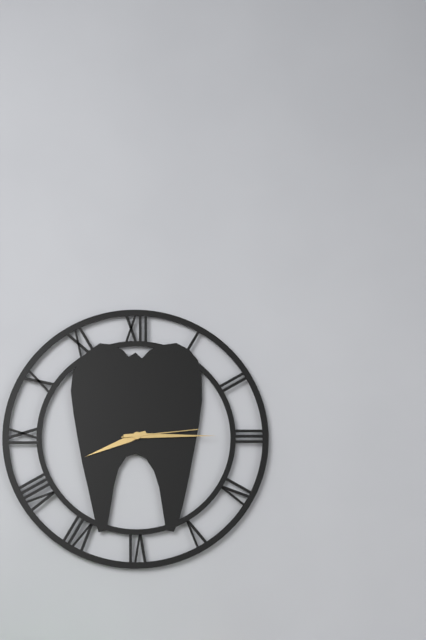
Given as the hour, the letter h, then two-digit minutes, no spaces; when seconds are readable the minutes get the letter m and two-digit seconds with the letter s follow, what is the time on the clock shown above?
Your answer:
8h15m14s
